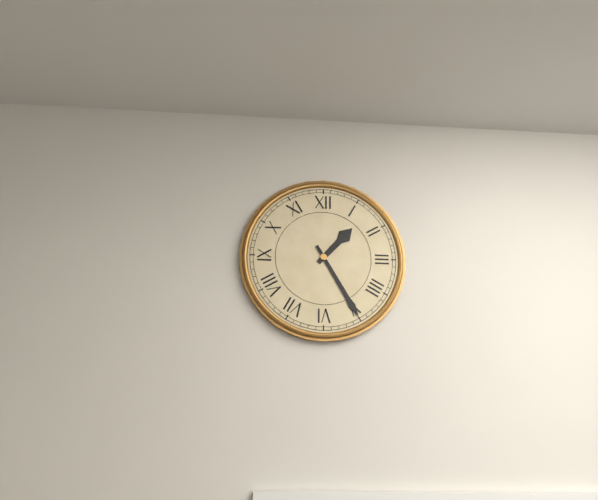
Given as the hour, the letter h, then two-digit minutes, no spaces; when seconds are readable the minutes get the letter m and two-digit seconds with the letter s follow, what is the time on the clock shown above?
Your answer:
1h25
